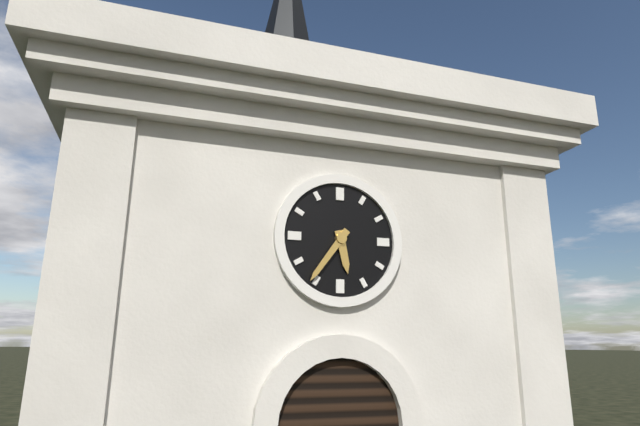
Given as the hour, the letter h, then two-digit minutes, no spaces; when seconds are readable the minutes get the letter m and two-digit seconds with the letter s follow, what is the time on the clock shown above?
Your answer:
5h36
